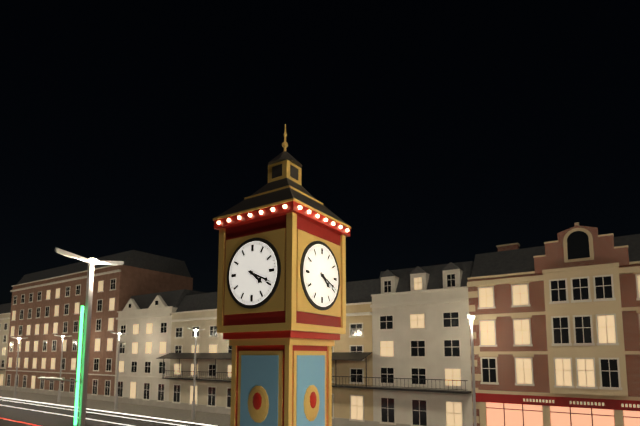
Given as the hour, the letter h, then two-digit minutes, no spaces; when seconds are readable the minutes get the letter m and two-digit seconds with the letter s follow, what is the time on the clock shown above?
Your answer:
4h19
